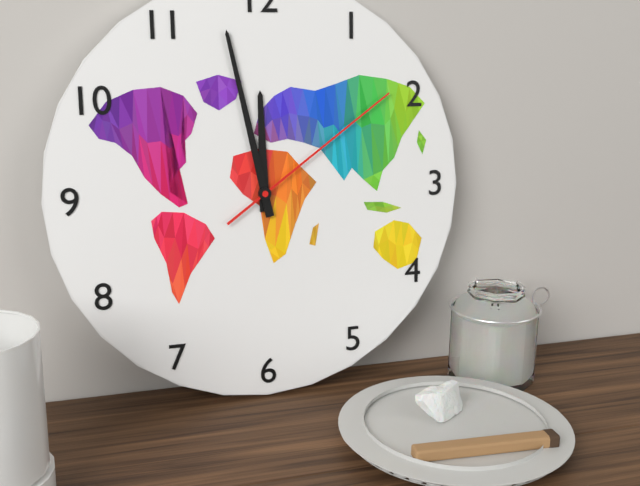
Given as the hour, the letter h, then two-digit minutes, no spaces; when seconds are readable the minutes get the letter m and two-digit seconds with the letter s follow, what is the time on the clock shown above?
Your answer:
11h58m09s
